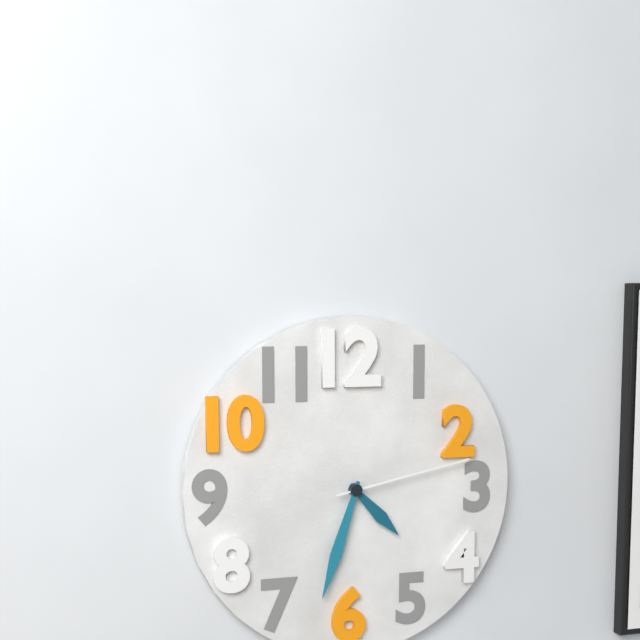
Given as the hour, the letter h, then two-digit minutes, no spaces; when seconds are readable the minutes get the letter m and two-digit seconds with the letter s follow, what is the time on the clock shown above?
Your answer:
4h33m13s
